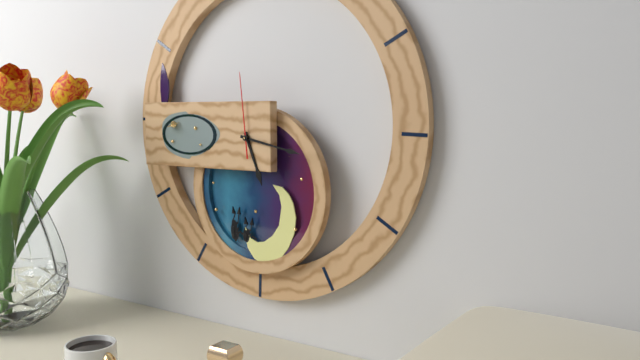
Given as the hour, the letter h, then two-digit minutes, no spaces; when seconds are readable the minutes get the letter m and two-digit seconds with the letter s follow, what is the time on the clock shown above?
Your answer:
5h17m59s
